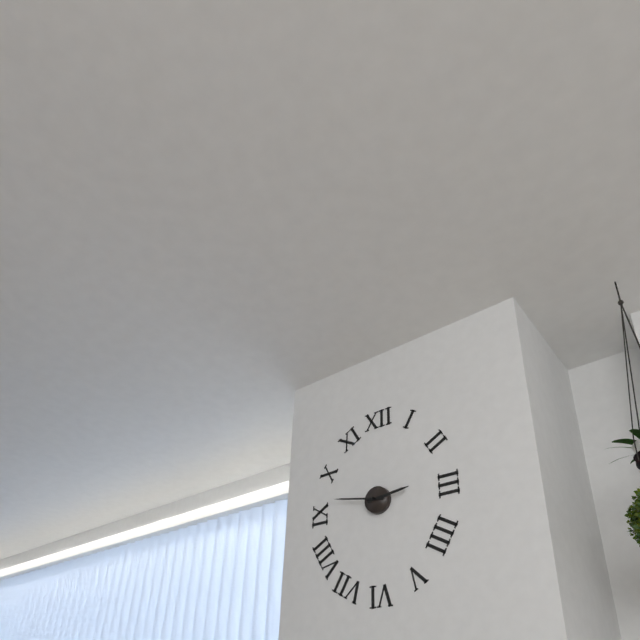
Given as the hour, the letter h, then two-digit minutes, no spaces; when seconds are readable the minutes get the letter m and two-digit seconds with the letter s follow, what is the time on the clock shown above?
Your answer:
2h47
